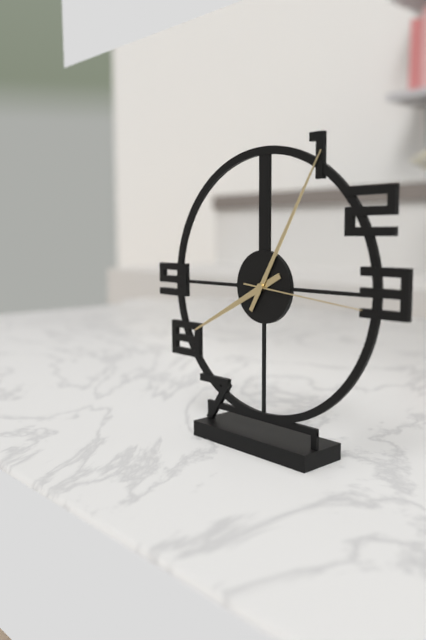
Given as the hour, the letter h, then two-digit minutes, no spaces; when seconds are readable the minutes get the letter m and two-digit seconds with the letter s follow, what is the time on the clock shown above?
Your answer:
8h05m16s
